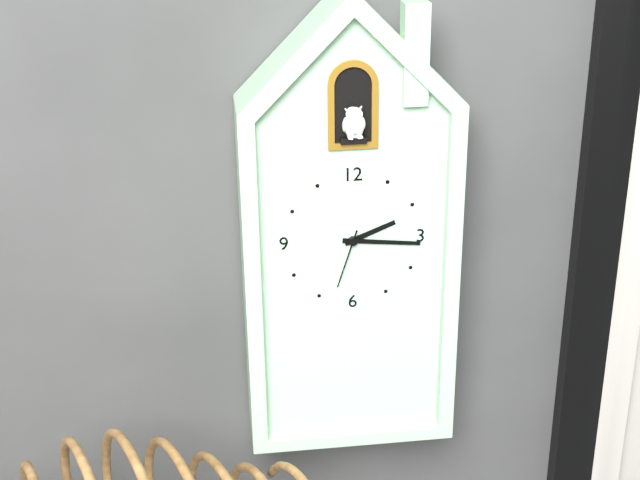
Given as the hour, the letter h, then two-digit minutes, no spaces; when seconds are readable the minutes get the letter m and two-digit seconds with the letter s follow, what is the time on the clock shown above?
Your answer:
2h16m33s
